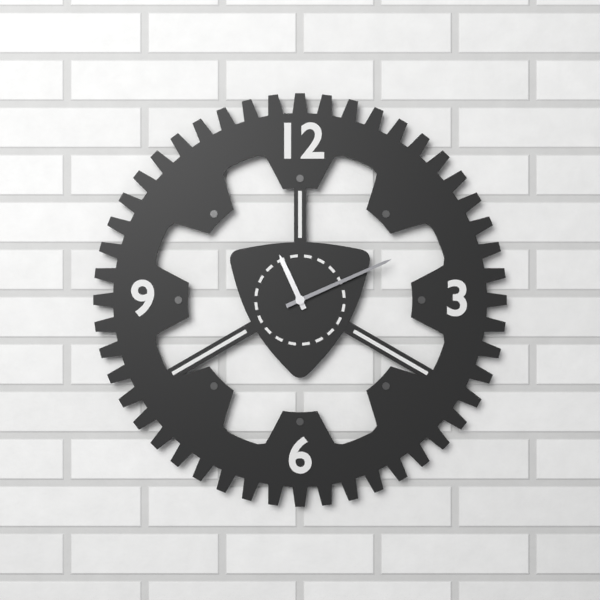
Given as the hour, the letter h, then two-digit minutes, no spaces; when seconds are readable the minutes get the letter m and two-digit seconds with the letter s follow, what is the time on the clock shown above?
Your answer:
11h11
